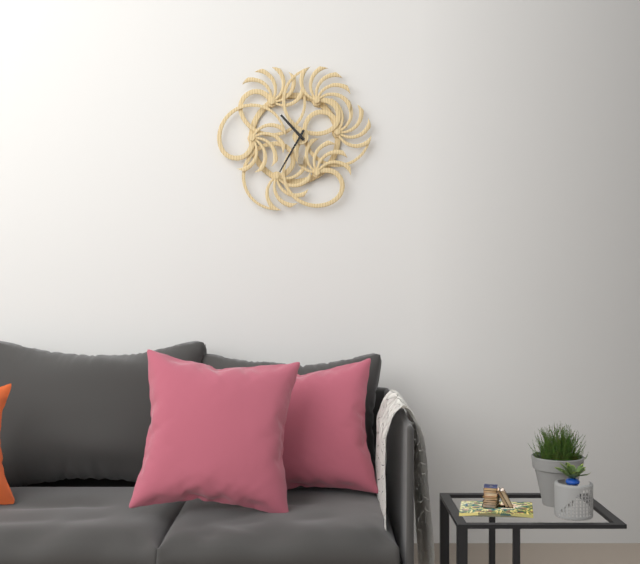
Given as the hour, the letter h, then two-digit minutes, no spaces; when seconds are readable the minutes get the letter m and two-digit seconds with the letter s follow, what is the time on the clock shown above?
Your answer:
10h35
